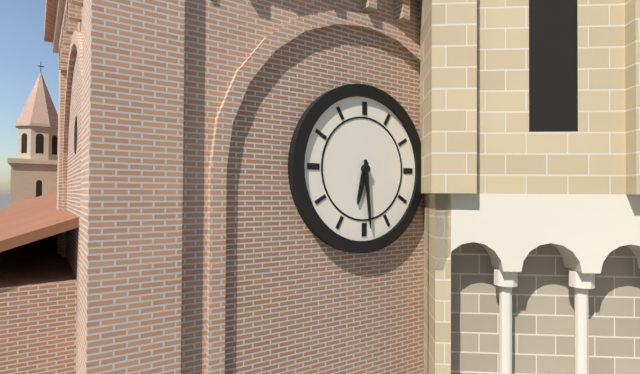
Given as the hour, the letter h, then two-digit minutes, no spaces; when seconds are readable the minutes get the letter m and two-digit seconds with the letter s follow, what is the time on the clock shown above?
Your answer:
6h29
